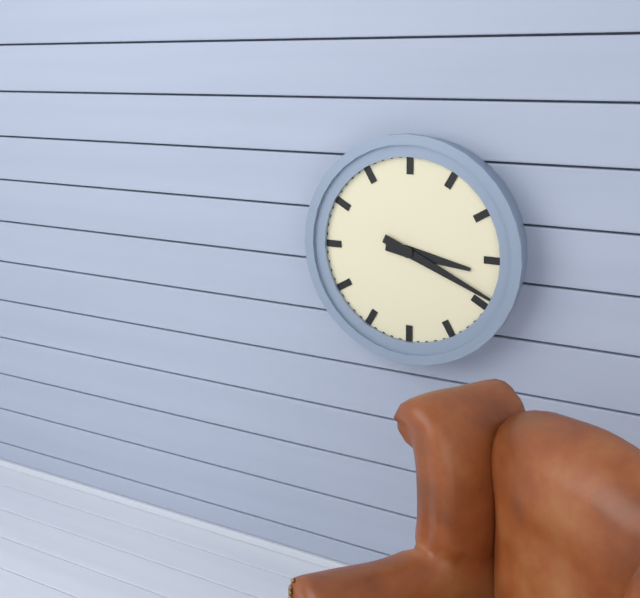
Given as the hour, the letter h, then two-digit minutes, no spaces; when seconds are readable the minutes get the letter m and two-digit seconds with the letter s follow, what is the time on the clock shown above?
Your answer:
3h19
